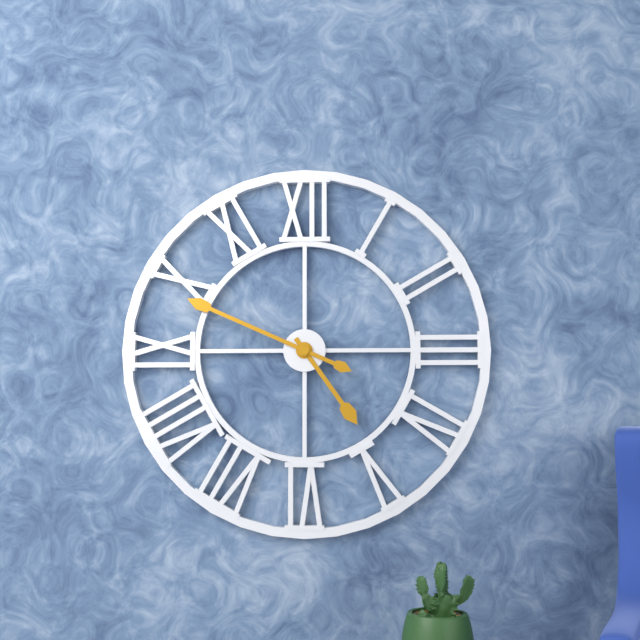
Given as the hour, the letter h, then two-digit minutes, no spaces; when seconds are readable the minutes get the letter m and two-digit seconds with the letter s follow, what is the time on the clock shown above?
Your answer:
4h49
